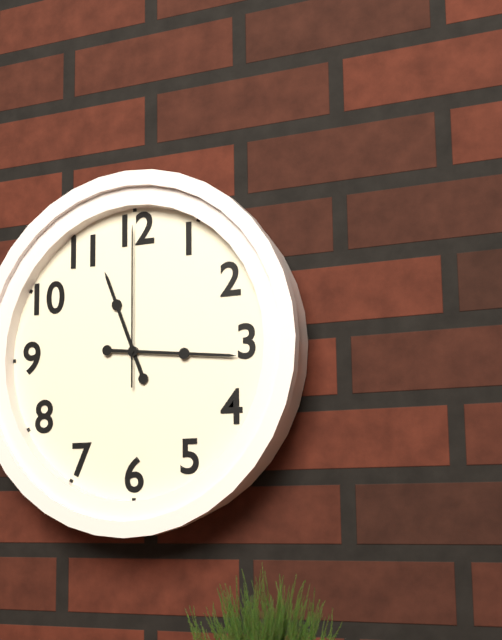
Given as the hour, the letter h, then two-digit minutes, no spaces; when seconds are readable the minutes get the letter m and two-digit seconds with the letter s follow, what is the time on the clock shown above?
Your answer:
11h16m00s
